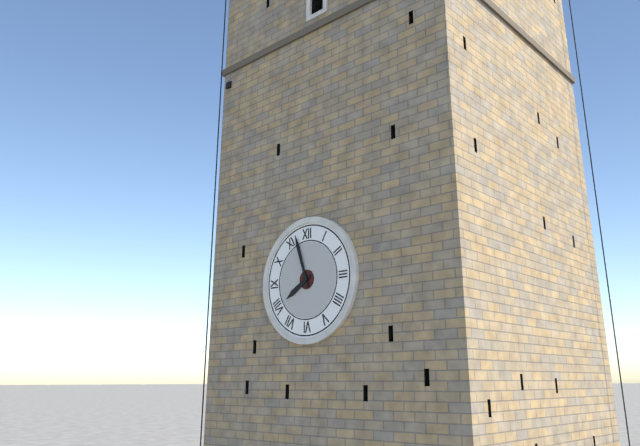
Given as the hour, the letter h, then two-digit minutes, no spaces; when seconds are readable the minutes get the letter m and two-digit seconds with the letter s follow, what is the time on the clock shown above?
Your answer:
7h57
